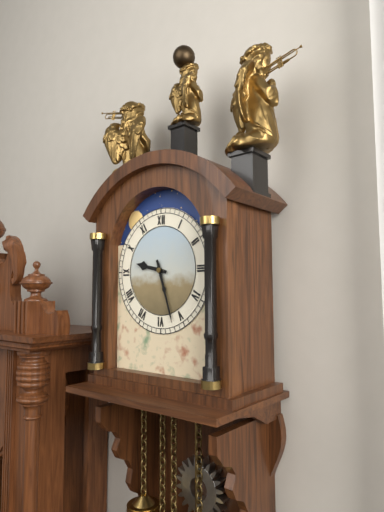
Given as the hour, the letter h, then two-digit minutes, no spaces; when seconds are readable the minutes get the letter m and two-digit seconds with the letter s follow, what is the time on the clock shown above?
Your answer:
9h27
